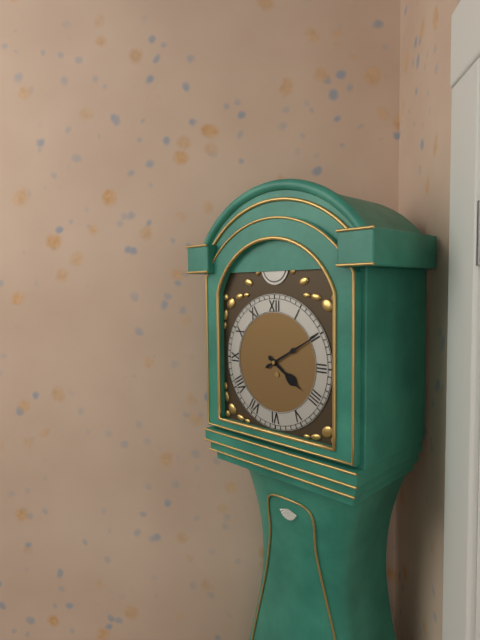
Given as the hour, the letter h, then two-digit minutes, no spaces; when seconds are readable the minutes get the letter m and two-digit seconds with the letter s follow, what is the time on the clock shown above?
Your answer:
4h10
